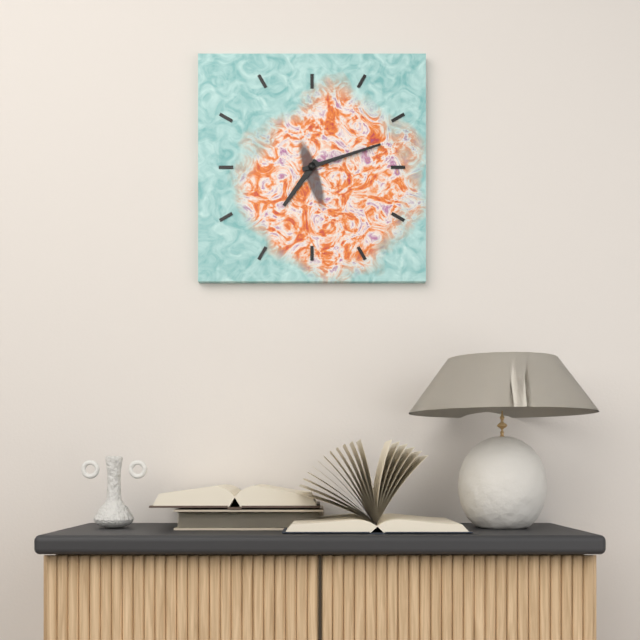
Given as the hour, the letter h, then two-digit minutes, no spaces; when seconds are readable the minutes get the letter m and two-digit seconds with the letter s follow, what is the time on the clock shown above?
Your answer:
7h12
